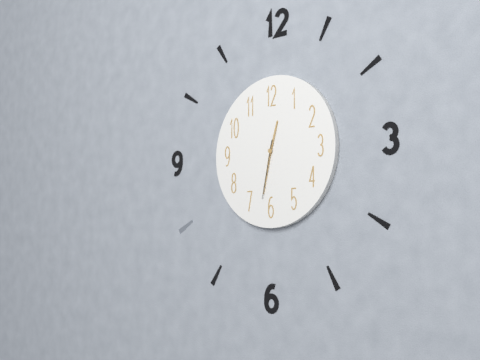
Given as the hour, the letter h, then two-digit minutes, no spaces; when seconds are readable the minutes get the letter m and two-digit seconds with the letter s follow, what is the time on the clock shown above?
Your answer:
12h32m32s
